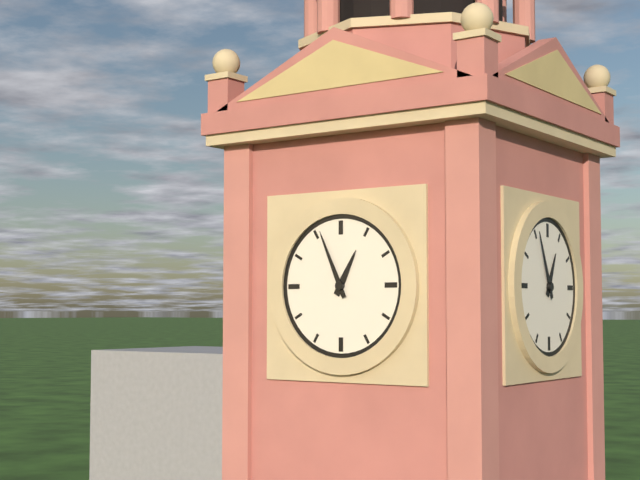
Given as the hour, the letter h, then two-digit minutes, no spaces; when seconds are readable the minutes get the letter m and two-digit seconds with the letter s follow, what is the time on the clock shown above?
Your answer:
12h56
